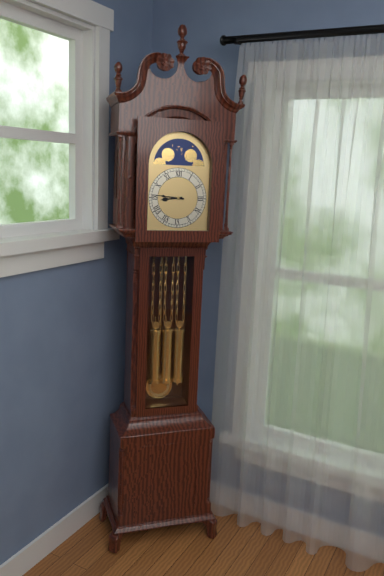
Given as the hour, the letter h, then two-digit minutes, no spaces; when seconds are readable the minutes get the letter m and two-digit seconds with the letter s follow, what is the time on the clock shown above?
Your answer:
8h46
